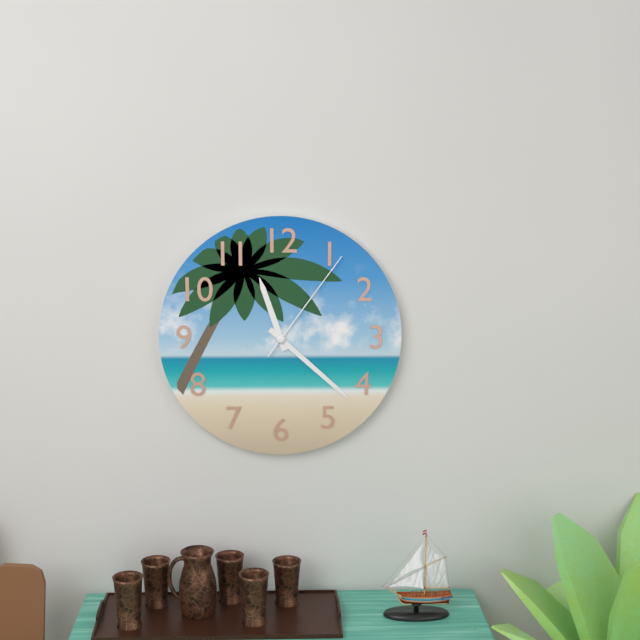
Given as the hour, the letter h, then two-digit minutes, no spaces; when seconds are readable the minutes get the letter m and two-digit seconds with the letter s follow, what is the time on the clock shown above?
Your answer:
11h22m06s
